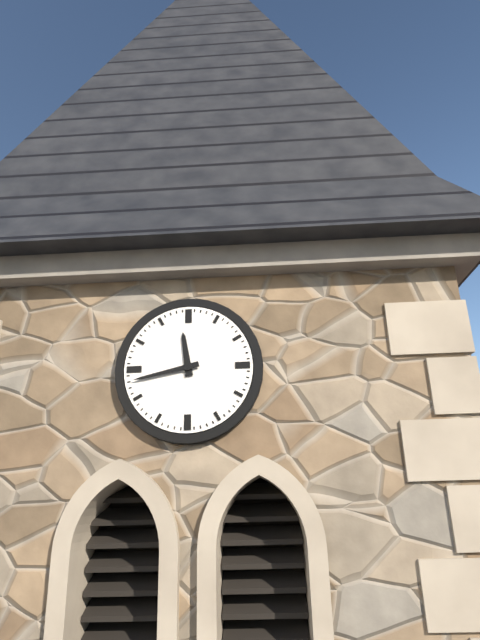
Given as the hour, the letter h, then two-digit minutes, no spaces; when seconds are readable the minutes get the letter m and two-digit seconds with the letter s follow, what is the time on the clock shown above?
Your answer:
11h43
